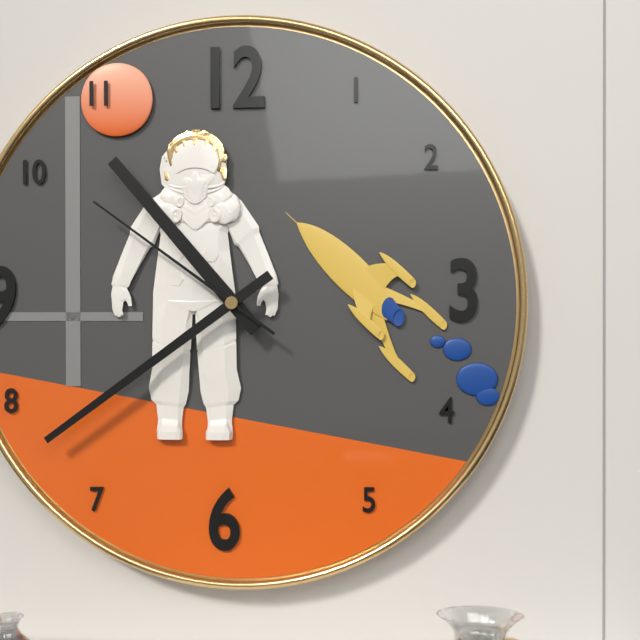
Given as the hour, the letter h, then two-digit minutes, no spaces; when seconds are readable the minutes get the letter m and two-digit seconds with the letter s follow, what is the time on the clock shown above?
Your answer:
10h39m51s
